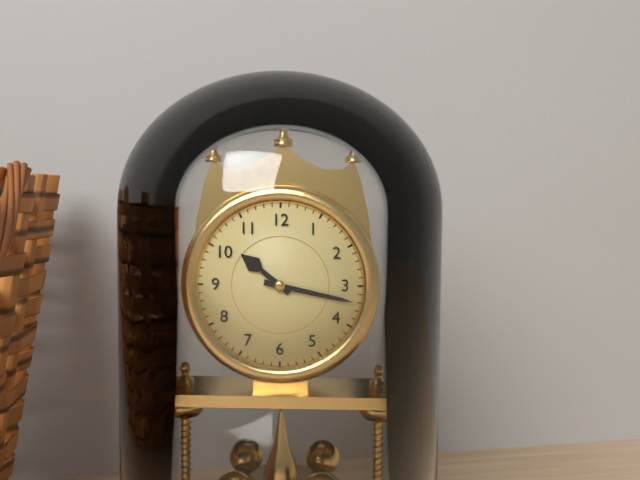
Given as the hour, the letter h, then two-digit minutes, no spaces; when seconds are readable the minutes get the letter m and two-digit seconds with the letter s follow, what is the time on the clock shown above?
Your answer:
10h17
